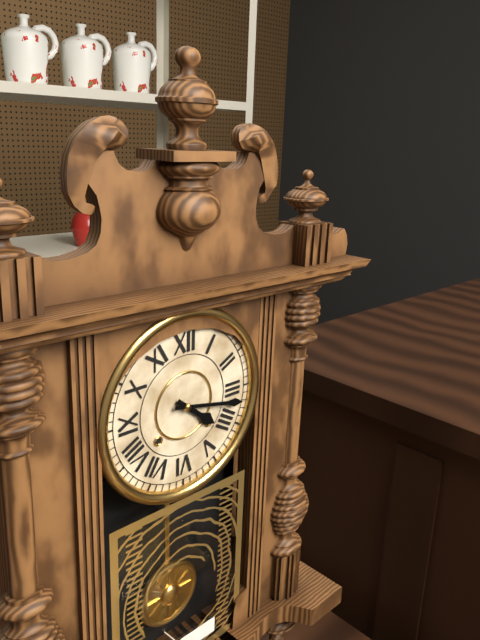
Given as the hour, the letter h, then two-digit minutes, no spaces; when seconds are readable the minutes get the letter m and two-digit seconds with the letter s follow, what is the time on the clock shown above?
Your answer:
4h17
